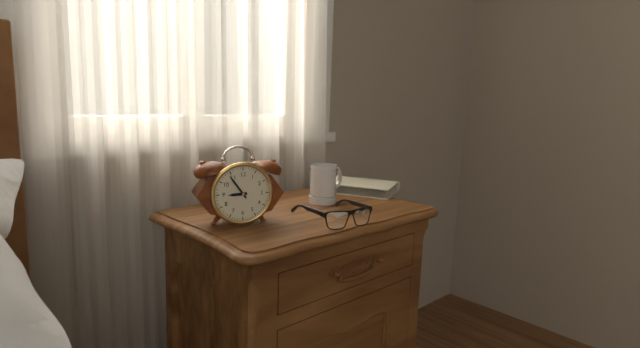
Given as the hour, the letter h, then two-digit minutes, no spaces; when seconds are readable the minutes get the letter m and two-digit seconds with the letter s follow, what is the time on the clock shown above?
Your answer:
8h54
